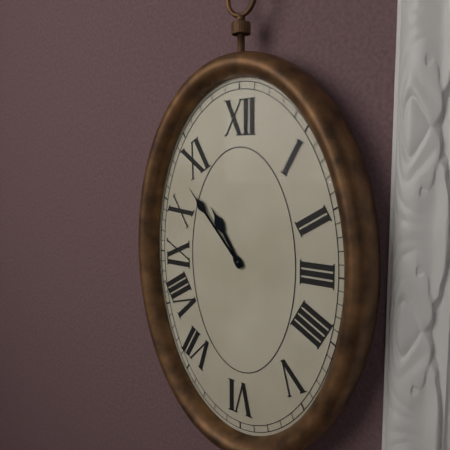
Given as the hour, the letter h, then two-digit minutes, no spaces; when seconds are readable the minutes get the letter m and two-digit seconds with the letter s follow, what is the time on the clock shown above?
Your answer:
10h53
